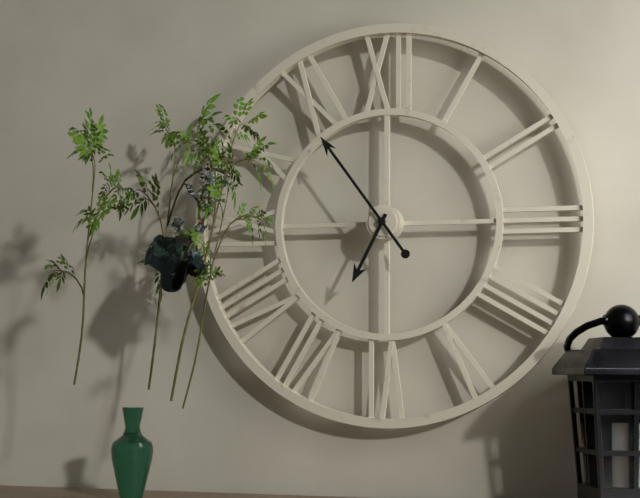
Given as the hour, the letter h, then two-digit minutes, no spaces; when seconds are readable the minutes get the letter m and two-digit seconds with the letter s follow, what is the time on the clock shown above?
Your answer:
6h54
